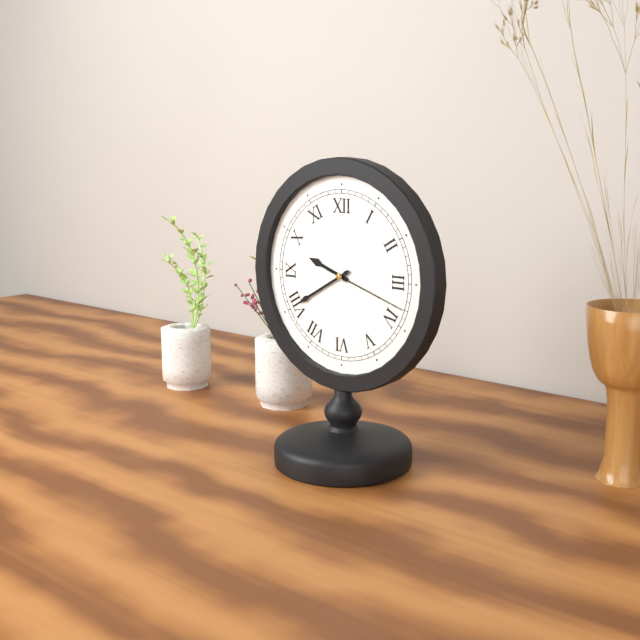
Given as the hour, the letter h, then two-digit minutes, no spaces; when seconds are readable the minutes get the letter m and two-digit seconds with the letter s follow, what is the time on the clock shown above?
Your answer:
9h40m18s
